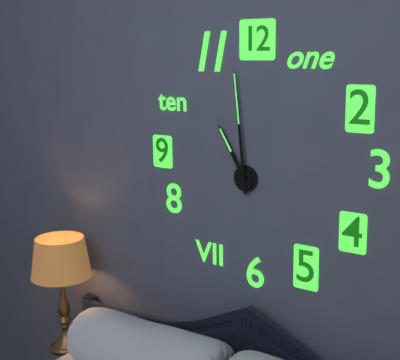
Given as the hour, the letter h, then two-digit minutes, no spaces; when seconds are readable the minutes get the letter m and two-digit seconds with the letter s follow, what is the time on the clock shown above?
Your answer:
10h59
